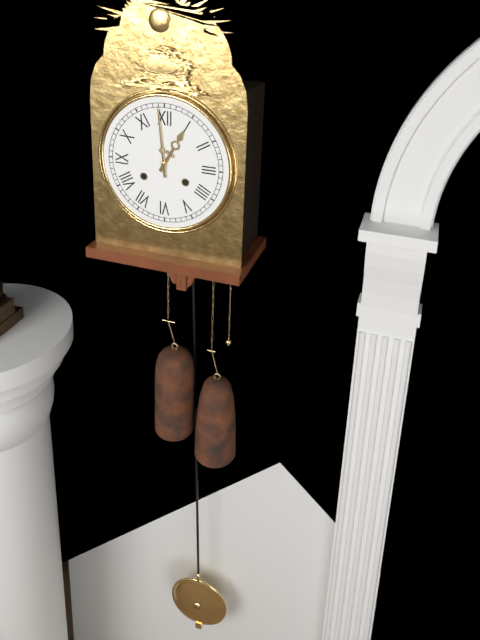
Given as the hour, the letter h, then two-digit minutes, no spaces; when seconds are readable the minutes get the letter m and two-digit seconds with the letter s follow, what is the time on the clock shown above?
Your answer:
12h59
